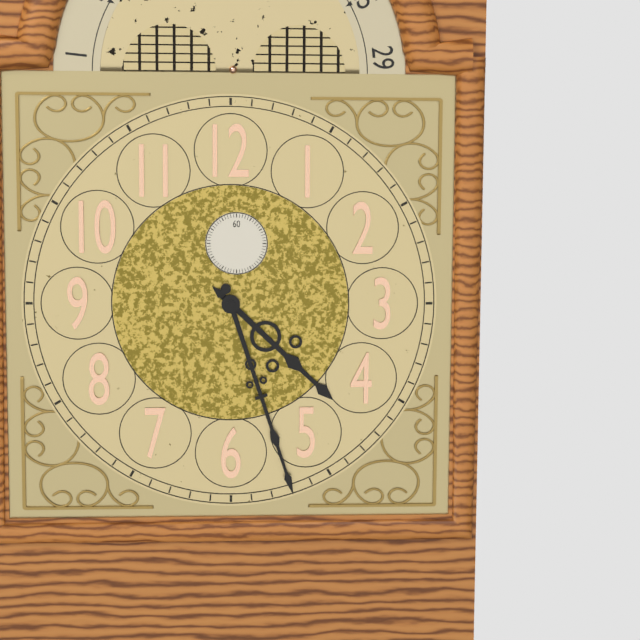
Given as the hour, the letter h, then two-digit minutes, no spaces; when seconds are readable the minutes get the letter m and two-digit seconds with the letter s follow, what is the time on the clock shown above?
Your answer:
4h27
